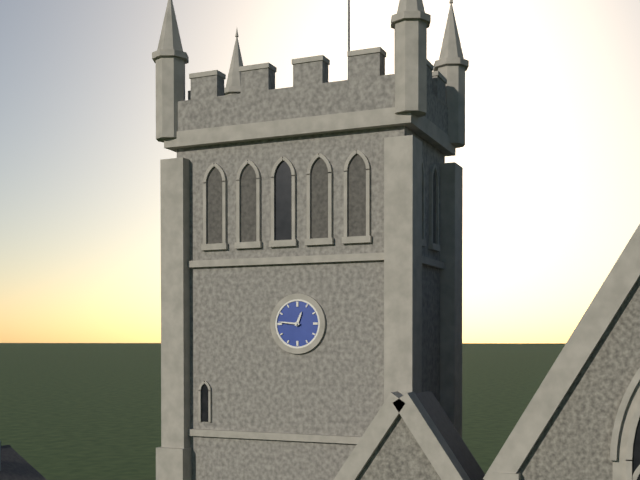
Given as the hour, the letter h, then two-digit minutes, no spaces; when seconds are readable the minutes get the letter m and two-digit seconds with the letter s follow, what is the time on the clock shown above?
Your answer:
12h46
